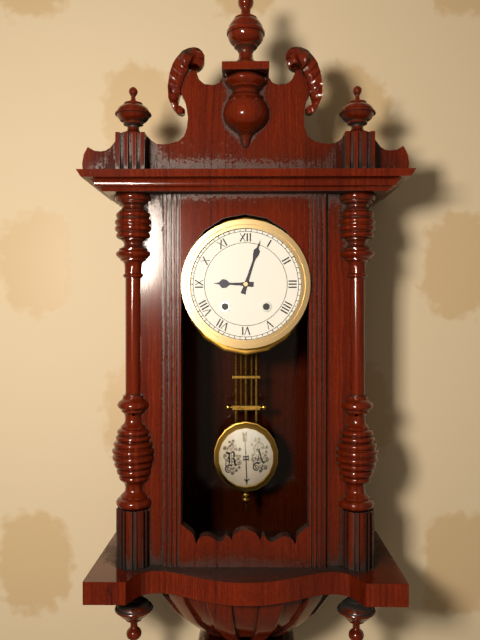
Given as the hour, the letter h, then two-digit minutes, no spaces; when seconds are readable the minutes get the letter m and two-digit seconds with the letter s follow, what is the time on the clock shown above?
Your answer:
9h03
